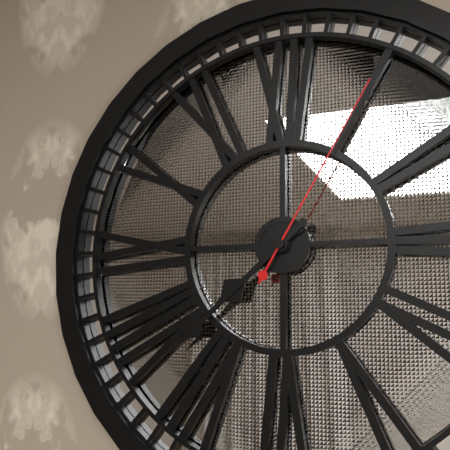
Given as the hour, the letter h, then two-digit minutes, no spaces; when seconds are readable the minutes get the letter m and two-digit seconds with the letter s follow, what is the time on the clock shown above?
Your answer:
7h38m05s
